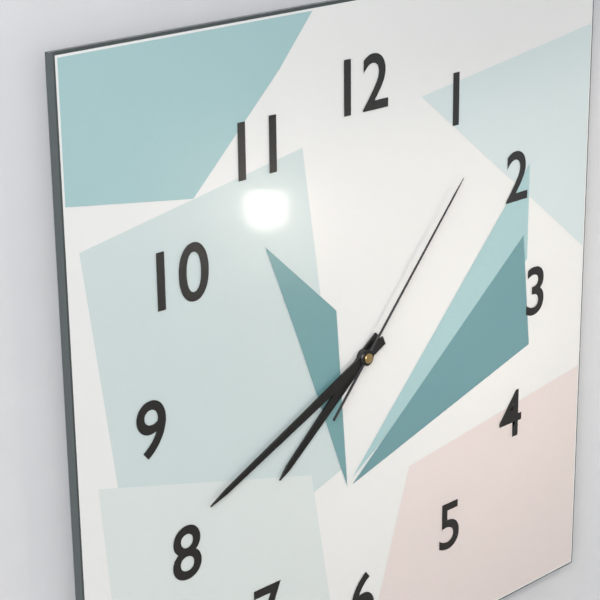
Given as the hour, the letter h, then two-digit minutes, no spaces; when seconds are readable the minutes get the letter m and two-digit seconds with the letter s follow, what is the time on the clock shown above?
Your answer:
7h41m07s
